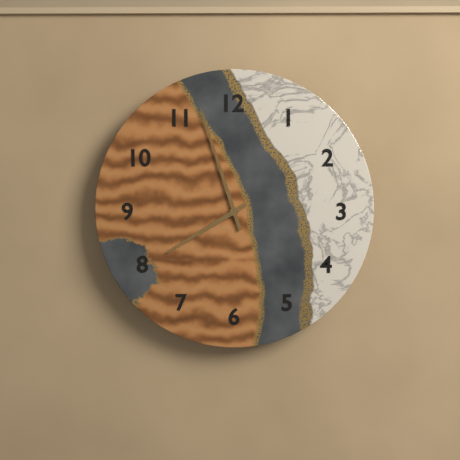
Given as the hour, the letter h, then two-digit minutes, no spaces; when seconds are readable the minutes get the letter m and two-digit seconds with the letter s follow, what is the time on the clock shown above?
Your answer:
7h57
